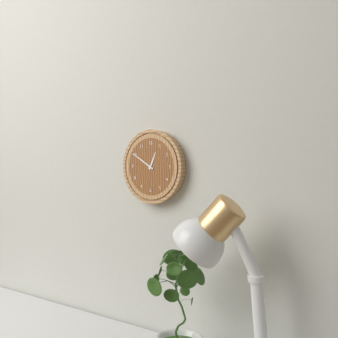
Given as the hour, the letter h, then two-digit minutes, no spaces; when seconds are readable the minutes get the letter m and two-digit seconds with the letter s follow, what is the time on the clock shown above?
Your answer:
12h50
